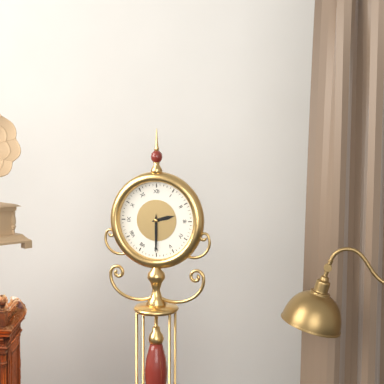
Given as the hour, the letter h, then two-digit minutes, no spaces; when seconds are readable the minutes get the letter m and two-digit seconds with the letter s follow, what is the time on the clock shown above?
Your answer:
2h30
